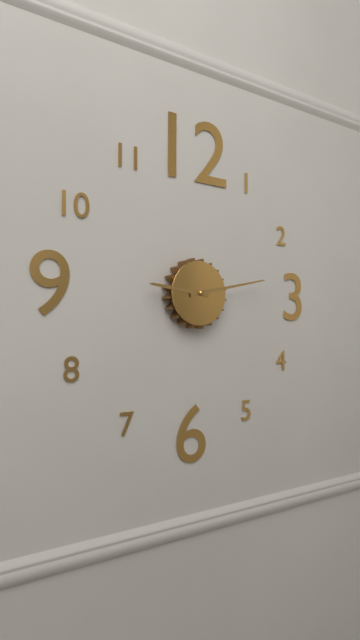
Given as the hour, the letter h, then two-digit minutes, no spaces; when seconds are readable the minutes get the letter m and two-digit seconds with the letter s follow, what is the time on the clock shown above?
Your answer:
9h13
